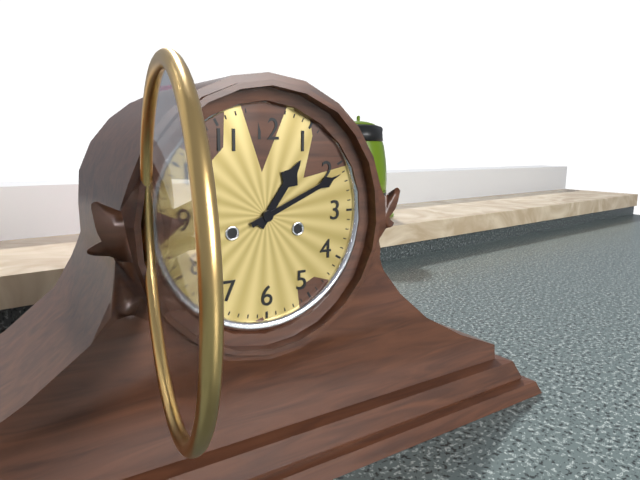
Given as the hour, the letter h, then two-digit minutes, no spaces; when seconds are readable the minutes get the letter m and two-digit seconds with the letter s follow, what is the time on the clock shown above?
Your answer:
1h11
